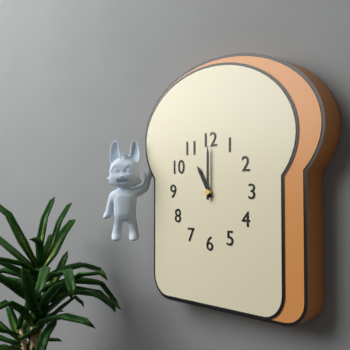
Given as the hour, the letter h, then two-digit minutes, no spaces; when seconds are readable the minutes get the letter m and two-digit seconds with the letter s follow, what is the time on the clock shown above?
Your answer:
11h00
